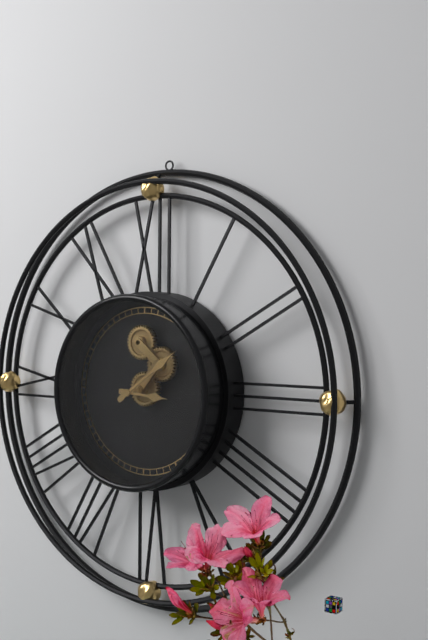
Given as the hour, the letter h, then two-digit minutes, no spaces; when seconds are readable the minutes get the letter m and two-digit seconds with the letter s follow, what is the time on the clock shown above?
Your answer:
3h09
